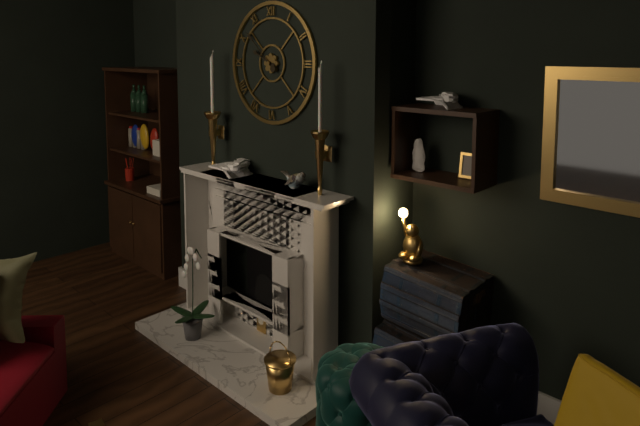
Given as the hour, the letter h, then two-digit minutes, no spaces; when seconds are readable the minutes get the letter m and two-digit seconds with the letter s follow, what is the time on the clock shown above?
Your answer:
9h52
